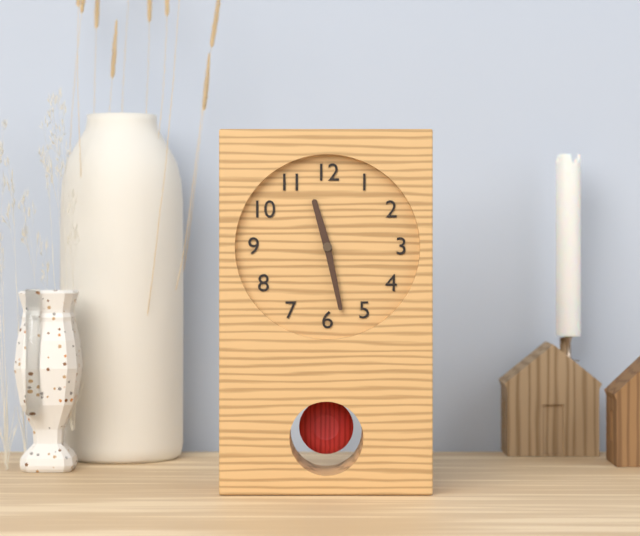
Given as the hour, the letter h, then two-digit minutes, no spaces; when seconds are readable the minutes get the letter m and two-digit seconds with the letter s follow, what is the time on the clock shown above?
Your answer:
11h28
